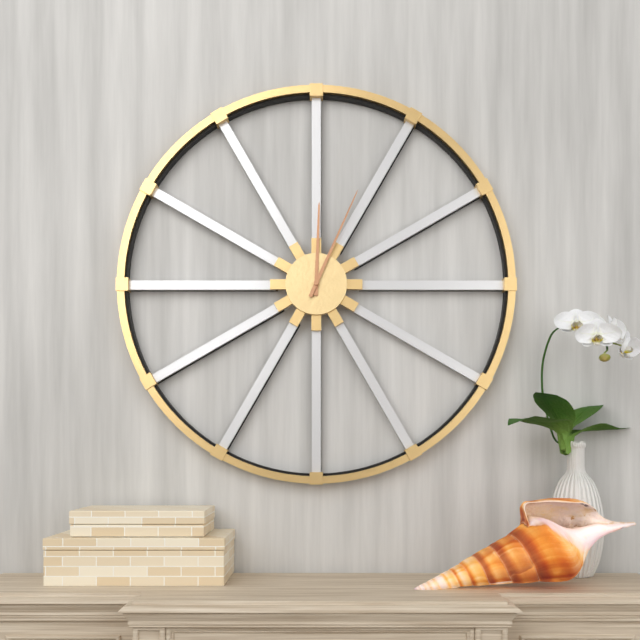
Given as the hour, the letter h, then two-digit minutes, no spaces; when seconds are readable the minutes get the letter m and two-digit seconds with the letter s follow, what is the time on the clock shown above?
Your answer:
12h04
